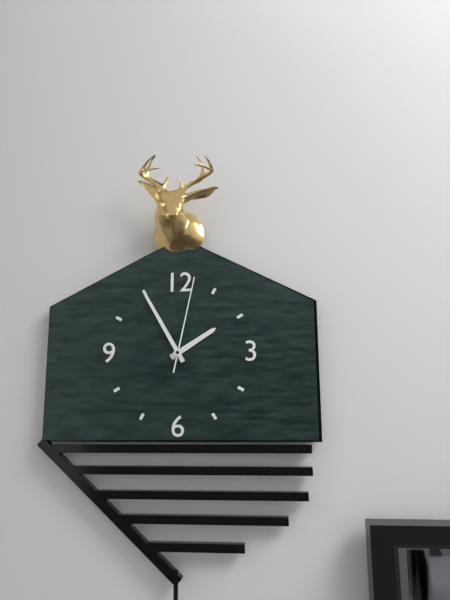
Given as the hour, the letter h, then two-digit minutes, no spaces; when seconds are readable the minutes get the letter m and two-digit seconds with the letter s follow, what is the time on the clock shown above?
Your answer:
1h55m02s
